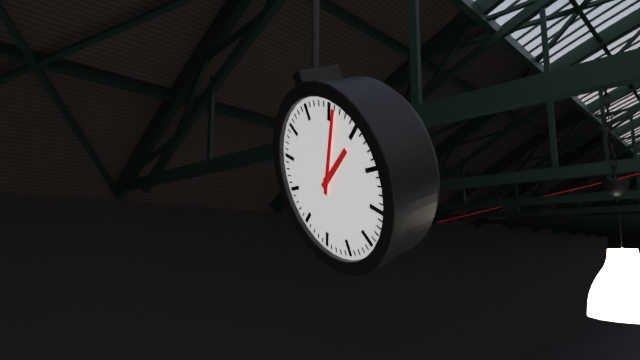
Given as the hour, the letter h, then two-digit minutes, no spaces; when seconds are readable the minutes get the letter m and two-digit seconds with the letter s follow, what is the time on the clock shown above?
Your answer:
2h06
